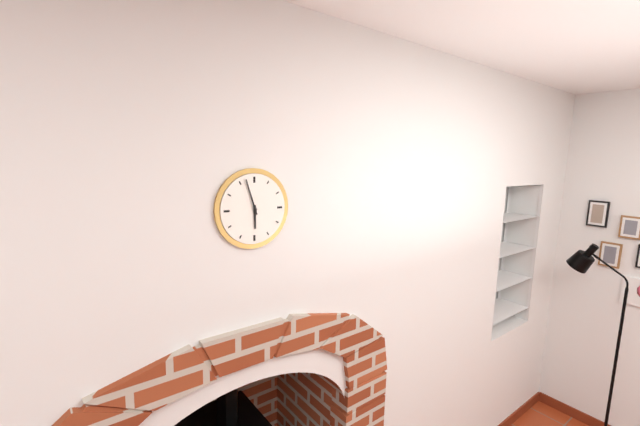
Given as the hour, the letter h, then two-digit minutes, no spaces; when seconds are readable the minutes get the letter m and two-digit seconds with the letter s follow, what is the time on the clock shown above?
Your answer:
5h57
